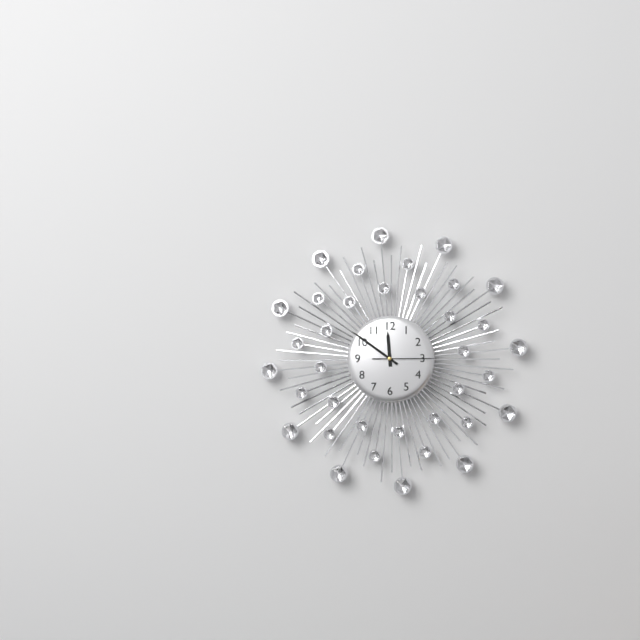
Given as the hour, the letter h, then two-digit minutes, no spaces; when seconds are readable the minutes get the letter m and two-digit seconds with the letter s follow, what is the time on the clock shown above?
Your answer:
11h51m15s
